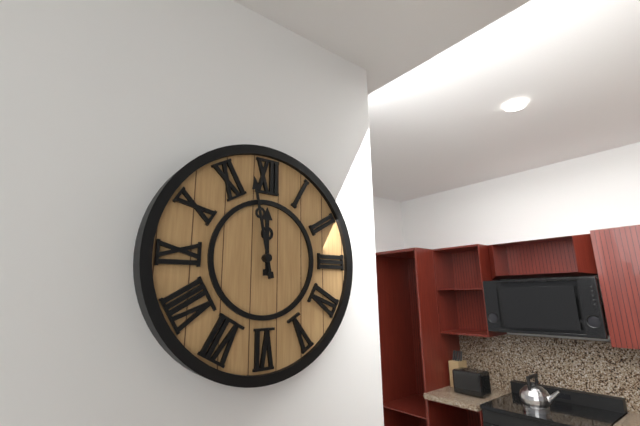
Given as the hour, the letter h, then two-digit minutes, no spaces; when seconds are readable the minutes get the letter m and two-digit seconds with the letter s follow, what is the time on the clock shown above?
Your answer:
11h58
